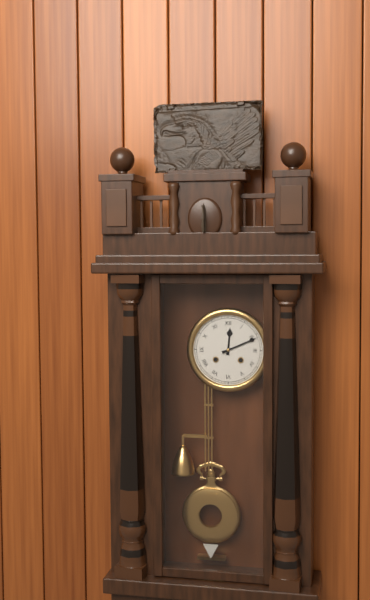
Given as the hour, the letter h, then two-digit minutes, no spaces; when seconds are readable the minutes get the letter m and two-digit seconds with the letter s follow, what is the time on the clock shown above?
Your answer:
12h11
